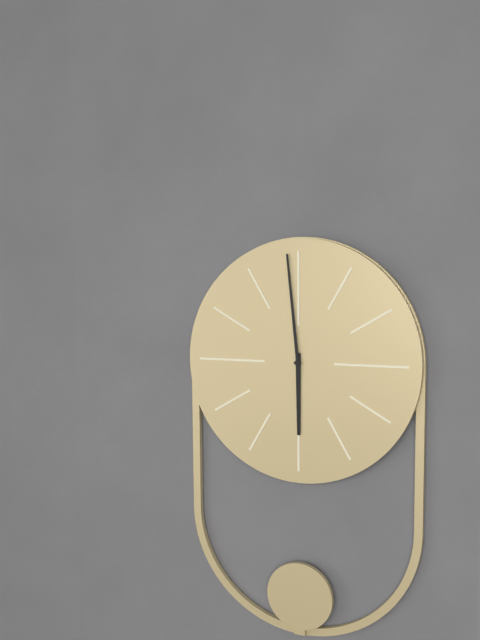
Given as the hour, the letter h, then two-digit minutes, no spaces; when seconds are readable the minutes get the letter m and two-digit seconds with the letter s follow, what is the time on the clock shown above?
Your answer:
5h59
